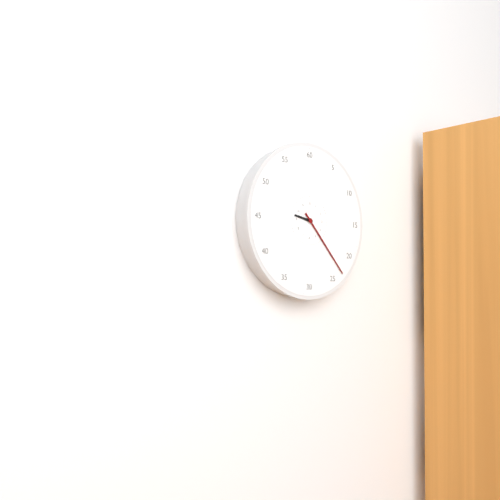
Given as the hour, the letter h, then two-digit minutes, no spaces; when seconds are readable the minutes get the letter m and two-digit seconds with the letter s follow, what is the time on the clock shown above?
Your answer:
9h23
